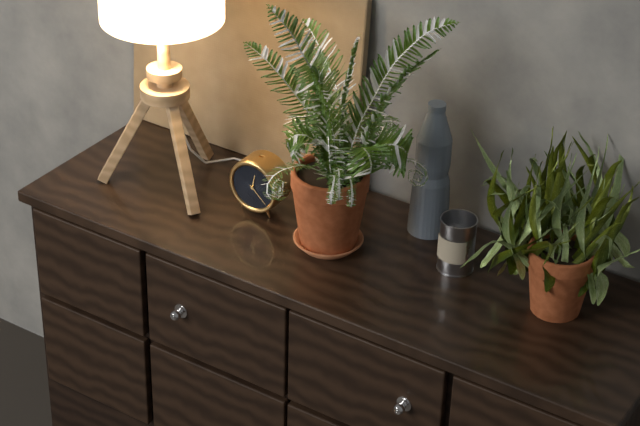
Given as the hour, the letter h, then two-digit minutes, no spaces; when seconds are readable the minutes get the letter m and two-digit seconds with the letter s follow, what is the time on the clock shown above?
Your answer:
12h22
